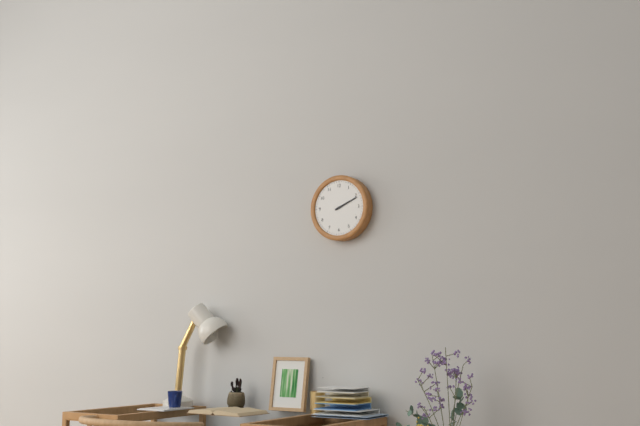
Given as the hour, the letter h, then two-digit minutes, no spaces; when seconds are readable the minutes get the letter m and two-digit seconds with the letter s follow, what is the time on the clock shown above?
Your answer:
2h11
